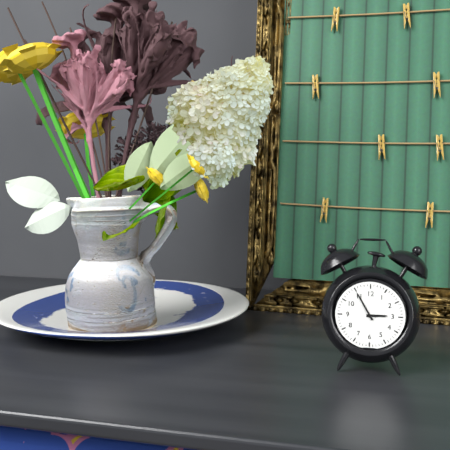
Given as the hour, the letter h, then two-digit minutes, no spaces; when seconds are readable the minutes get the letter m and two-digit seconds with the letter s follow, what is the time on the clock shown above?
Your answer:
2h55
